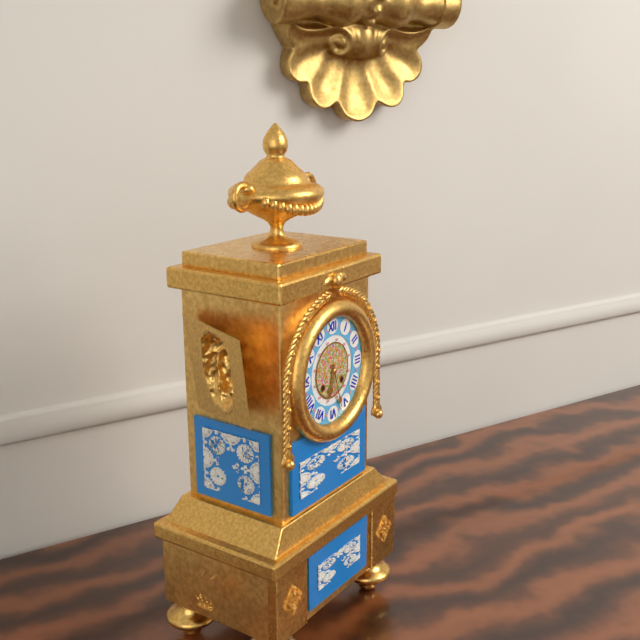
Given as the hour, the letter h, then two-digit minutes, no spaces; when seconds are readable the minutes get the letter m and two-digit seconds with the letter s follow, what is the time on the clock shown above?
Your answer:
6h27
